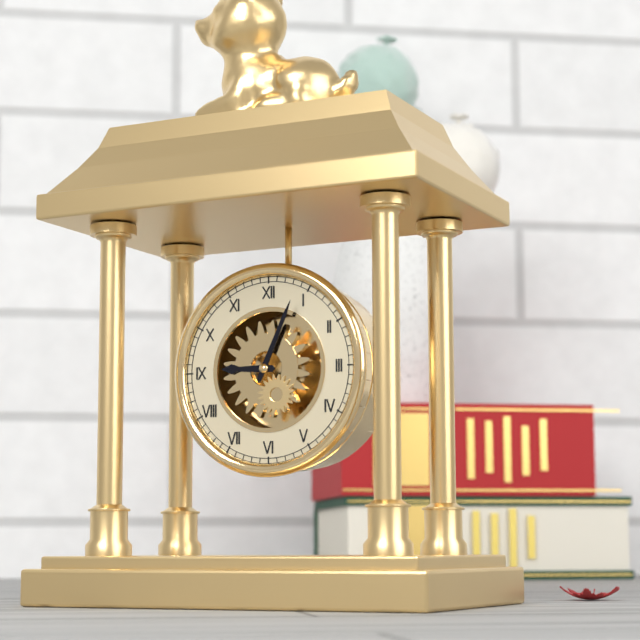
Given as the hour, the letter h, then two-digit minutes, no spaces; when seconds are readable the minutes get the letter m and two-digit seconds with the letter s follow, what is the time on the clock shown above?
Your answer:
9h04
